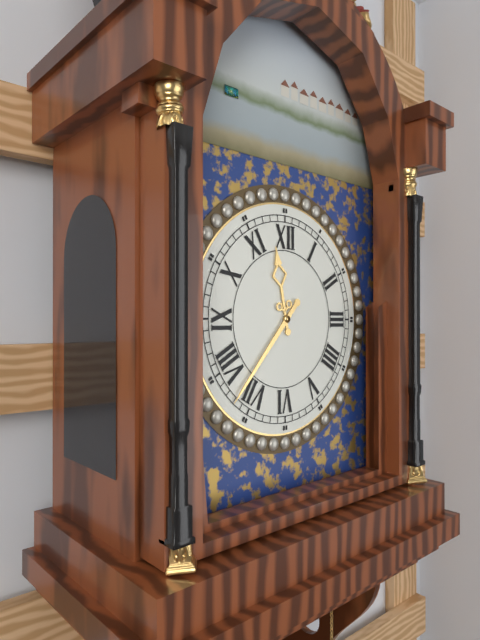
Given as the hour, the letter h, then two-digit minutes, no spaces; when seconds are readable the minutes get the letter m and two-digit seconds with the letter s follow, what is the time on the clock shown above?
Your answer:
11h37
